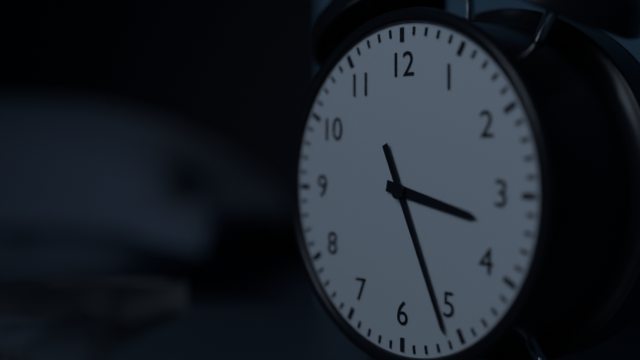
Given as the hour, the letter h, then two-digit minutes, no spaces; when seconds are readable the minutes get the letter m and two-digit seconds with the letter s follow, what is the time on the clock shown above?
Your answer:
3h26
